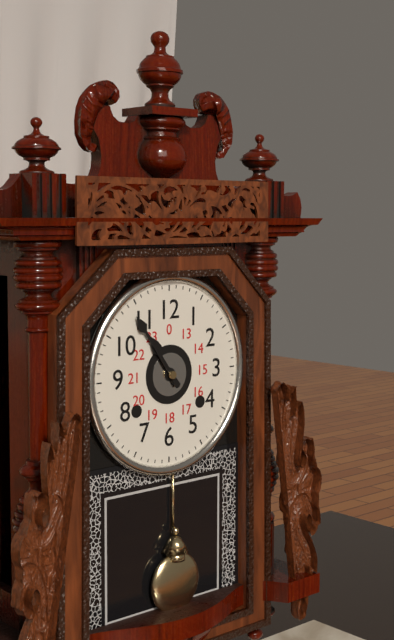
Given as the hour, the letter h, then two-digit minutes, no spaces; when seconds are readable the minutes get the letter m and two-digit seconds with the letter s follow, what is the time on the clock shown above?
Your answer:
10h54
